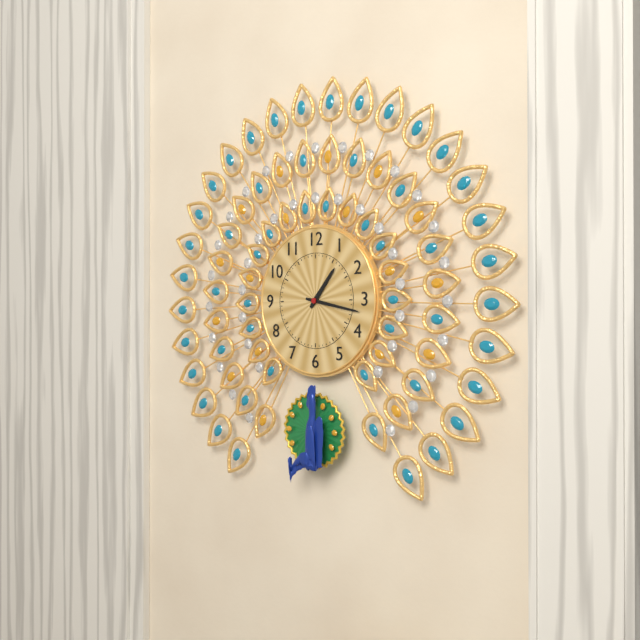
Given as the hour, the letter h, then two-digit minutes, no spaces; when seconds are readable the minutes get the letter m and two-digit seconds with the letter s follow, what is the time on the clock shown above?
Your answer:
1h17
